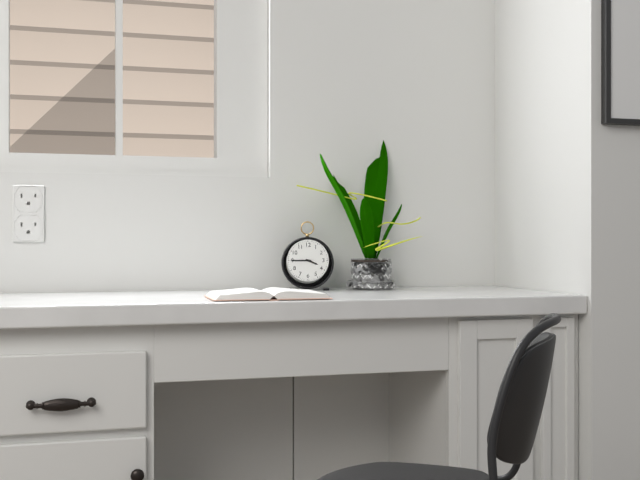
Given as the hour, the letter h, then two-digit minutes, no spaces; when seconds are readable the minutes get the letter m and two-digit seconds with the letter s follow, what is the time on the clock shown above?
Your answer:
3h45
